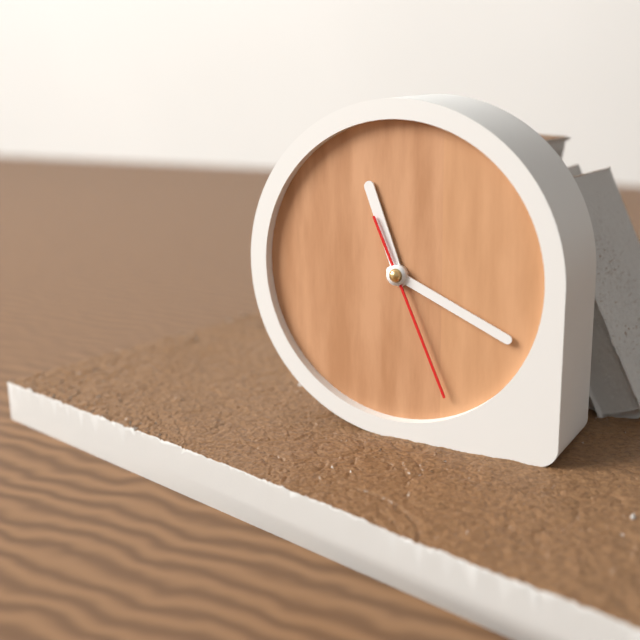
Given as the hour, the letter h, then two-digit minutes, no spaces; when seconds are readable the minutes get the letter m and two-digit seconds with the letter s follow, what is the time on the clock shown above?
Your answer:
11h19m26s
